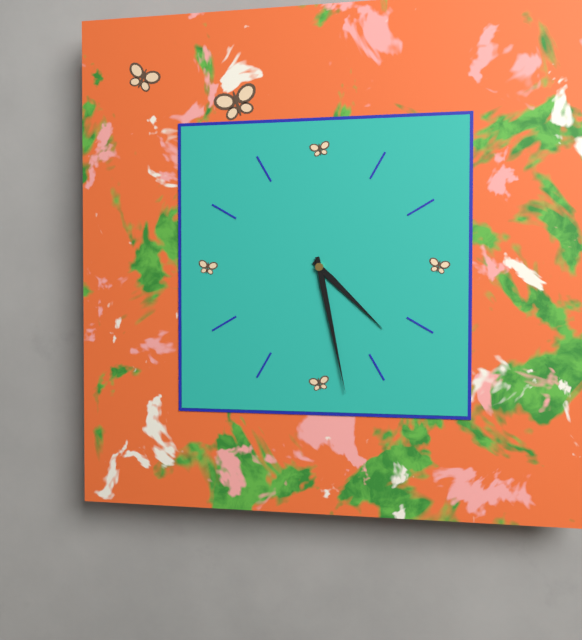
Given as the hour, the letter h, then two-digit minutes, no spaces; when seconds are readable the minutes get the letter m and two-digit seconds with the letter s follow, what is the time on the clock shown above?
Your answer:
4h28
